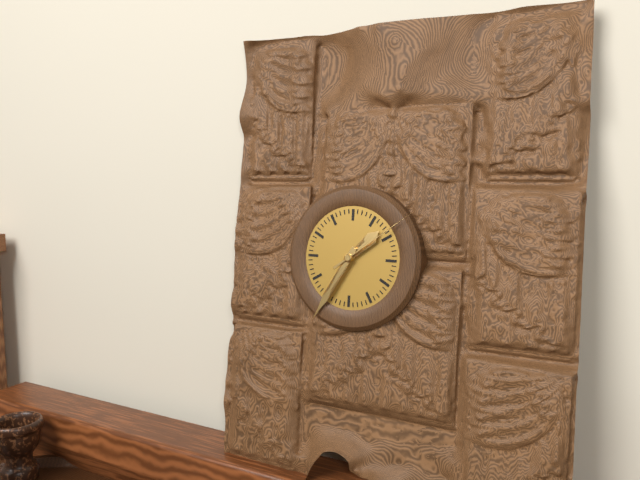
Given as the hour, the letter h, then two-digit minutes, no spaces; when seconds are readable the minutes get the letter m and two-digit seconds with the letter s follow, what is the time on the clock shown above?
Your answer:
1h35m09s
